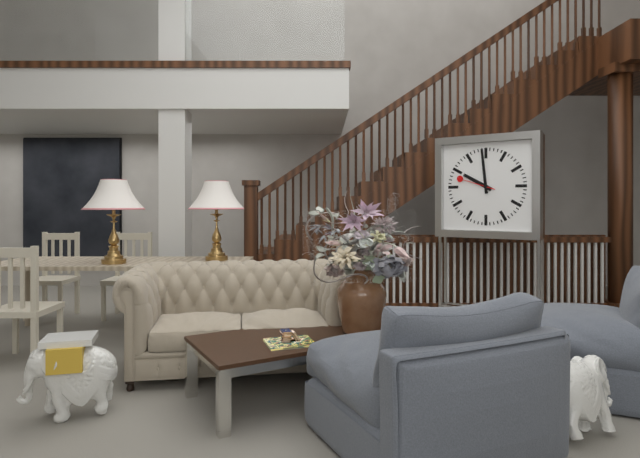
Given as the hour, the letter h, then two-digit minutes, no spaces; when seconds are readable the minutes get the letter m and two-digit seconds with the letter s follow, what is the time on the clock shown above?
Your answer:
9h59
